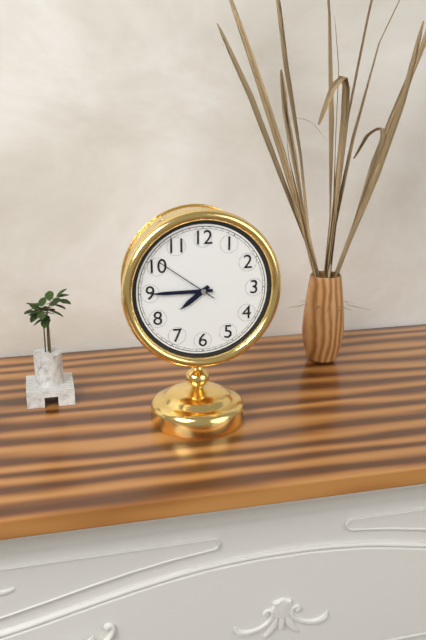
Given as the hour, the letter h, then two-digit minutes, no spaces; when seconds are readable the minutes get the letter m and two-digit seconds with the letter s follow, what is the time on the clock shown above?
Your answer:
7h45m51s
